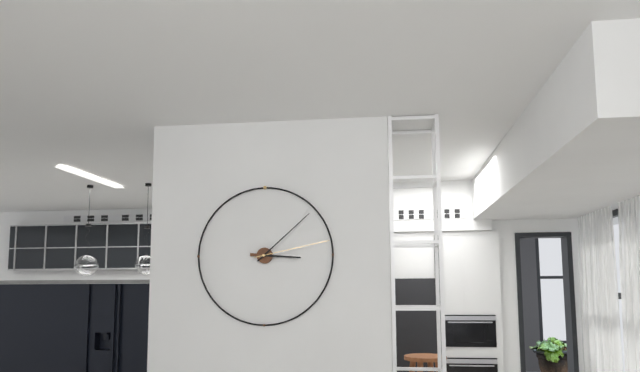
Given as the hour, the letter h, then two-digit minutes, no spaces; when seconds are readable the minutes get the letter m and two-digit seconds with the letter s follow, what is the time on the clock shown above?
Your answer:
3h08m13s
